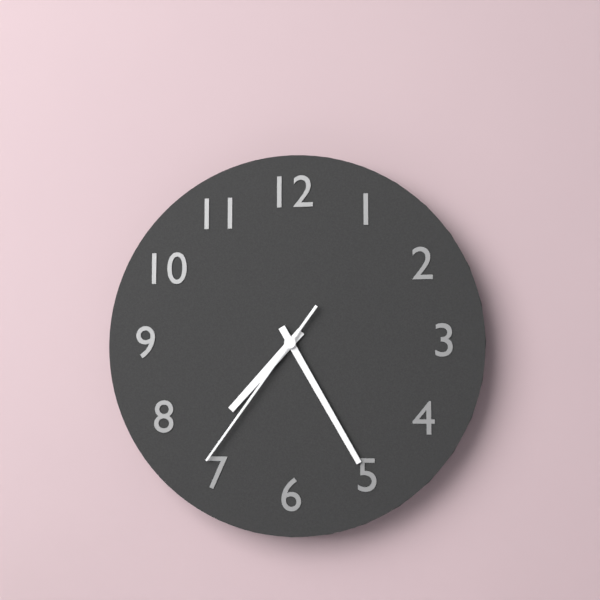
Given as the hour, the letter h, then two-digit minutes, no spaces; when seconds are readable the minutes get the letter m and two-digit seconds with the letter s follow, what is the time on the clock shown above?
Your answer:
7h25m36s
